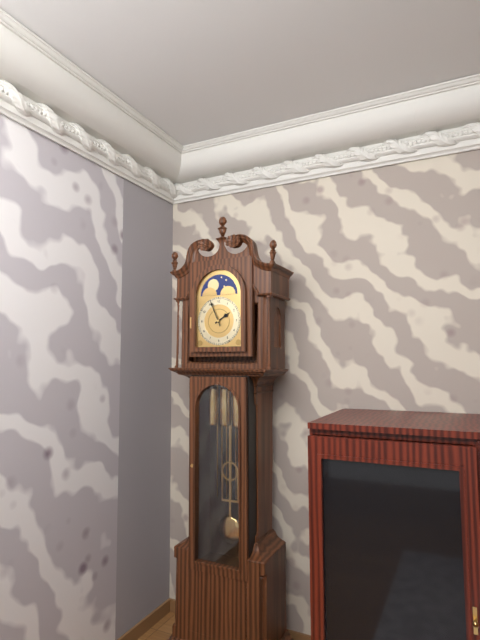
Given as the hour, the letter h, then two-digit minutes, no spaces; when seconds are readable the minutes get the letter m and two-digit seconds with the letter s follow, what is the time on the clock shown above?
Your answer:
1h56
